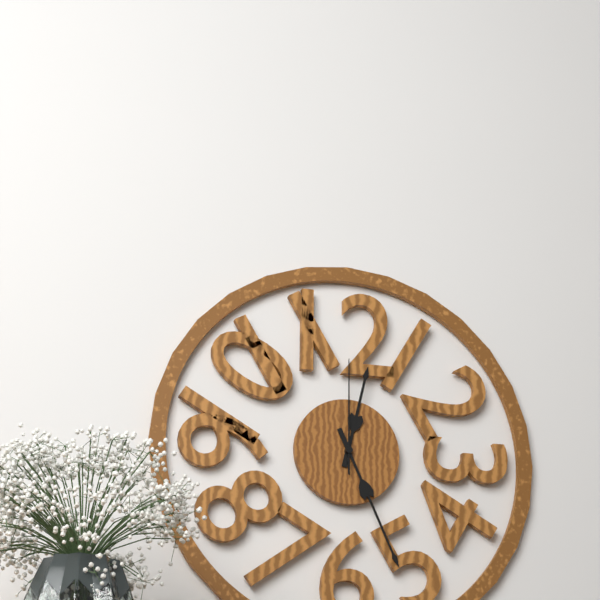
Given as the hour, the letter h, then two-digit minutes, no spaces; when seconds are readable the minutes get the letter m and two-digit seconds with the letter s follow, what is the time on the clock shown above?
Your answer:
12h26m00s
